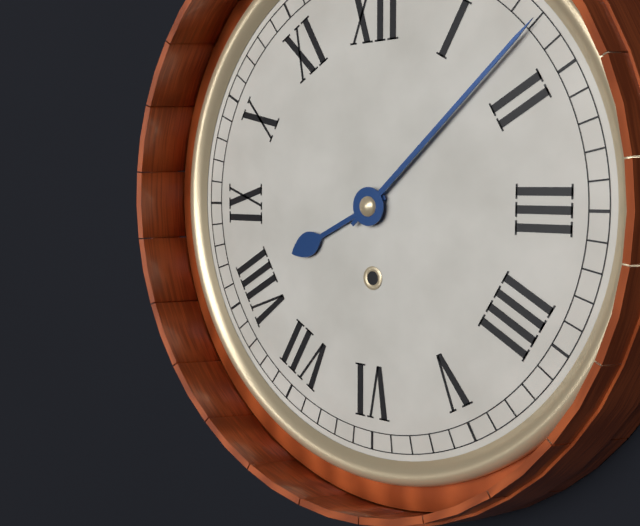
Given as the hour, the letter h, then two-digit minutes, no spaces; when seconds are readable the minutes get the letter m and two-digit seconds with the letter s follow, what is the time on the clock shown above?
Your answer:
8h08
